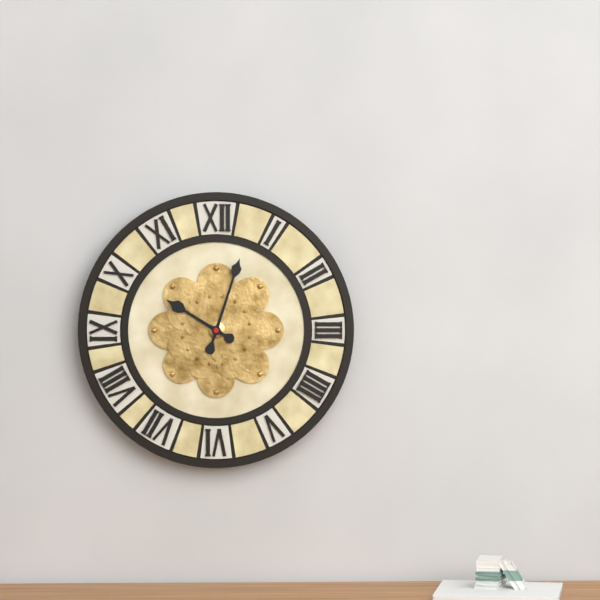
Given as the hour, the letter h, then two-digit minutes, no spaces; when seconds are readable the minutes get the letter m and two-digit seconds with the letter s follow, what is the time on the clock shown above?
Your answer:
10h03
